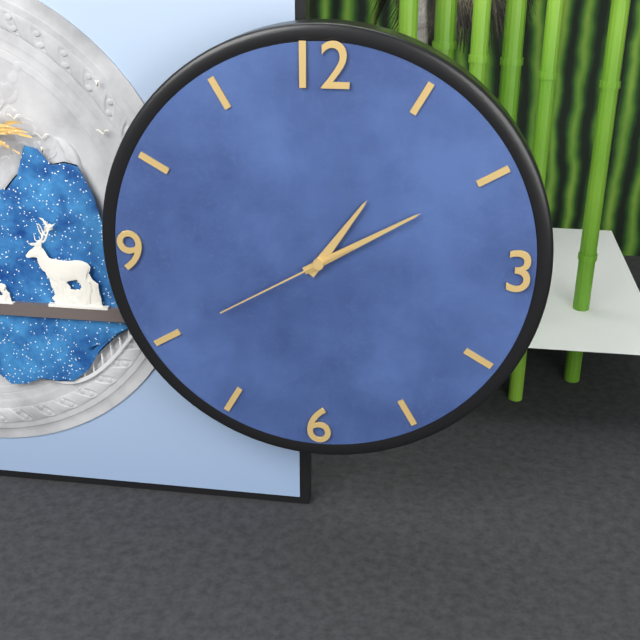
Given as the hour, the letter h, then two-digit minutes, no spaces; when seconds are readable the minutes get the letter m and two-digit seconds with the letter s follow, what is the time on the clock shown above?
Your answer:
1h10m40s
